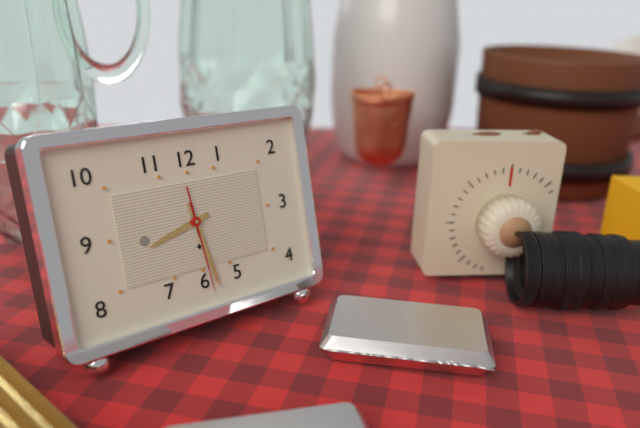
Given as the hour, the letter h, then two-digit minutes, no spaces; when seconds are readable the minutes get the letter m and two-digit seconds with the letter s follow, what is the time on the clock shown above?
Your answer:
8h28m29s
